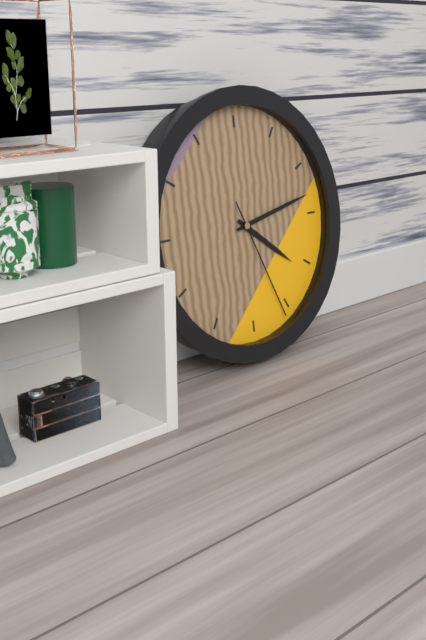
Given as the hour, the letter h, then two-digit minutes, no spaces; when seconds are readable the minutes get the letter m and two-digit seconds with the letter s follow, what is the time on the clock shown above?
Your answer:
4h13m26s
